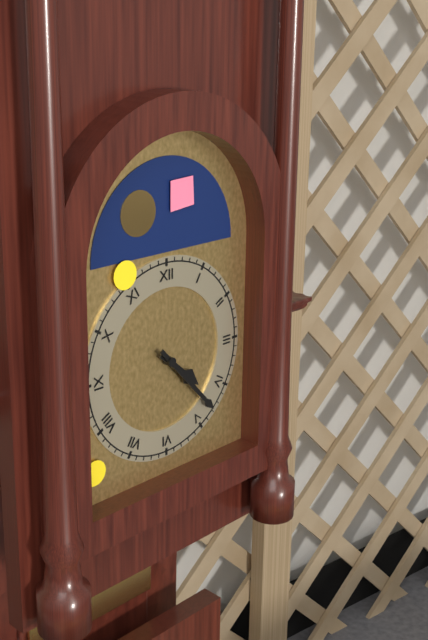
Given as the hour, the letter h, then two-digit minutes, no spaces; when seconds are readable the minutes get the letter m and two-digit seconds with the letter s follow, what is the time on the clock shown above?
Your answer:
4h23
